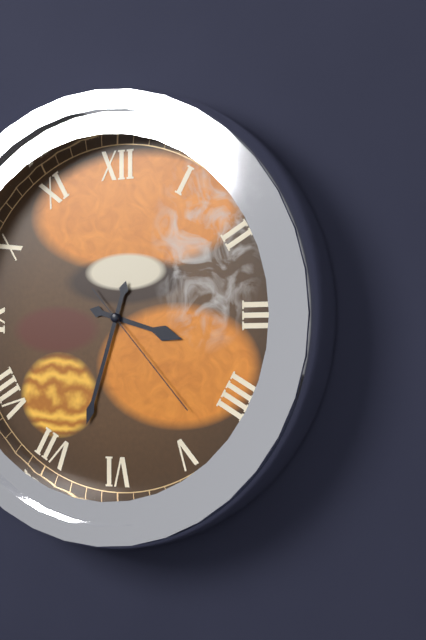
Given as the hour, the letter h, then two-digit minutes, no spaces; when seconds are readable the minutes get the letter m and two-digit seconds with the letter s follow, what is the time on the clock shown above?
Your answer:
3h33m23s
